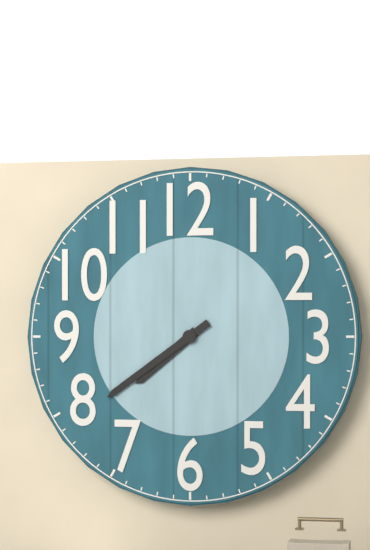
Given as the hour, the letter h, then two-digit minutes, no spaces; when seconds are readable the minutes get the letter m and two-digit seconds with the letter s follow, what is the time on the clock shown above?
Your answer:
7h39
